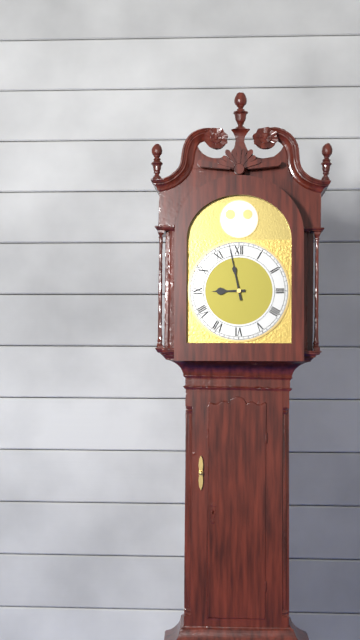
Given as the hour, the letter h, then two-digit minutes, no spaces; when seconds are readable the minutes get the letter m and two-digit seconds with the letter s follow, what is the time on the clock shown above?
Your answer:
8h58
